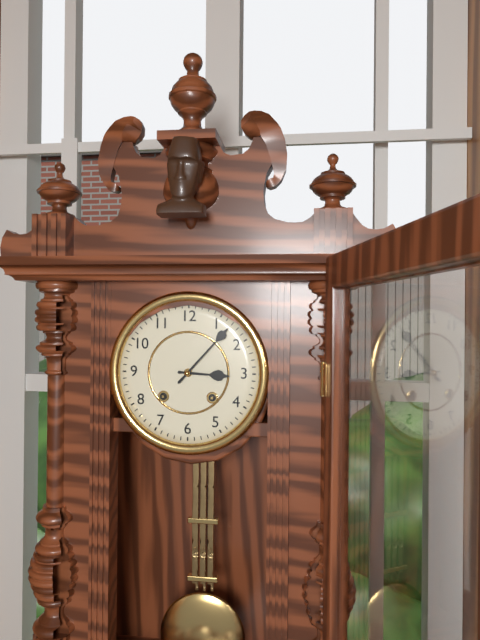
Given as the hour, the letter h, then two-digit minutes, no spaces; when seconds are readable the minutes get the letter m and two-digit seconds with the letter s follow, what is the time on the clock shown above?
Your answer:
3h07
